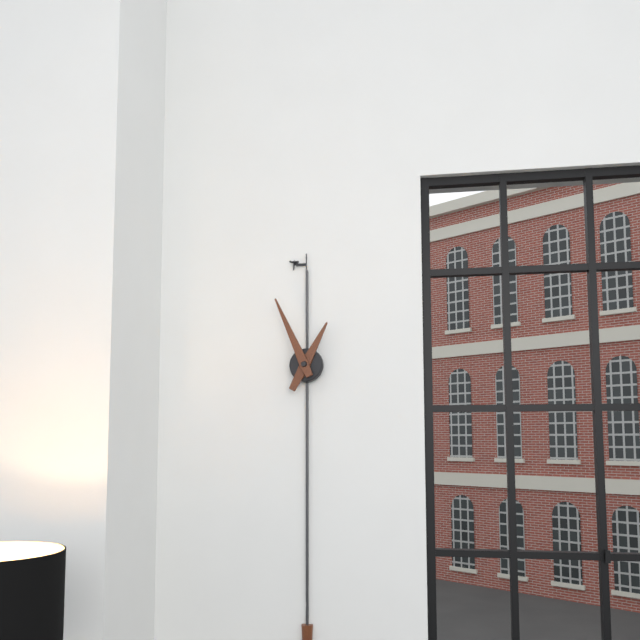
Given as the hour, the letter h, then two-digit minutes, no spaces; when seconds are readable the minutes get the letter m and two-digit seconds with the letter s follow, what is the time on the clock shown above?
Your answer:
12h56
